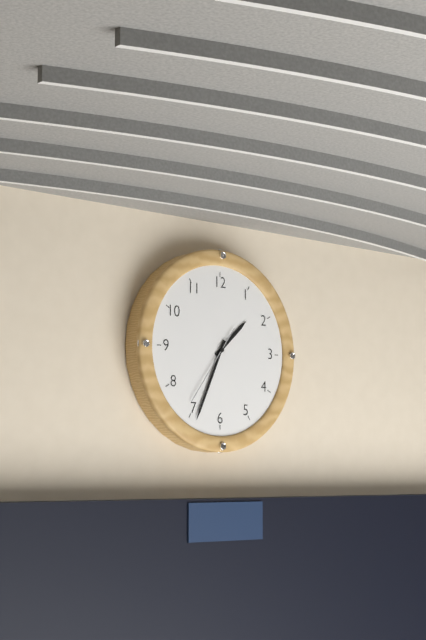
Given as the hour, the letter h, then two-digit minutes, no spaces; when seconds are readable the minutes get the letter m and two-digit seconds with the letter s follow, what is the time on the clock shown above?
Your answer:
1h34m36s
